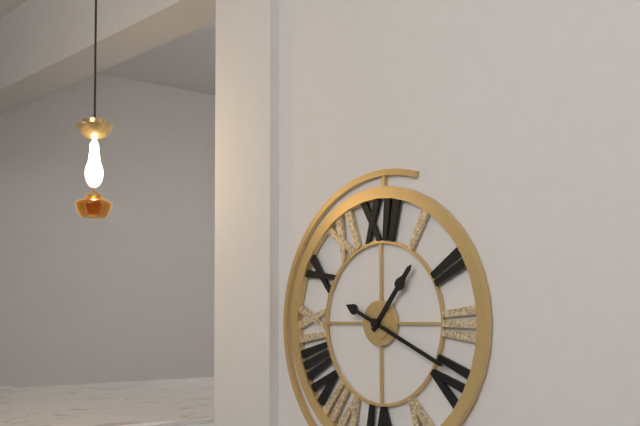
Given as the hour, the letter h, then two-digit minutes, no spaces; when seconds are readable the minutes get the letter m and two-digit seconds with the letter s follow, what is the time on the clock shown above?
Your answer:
1h19
